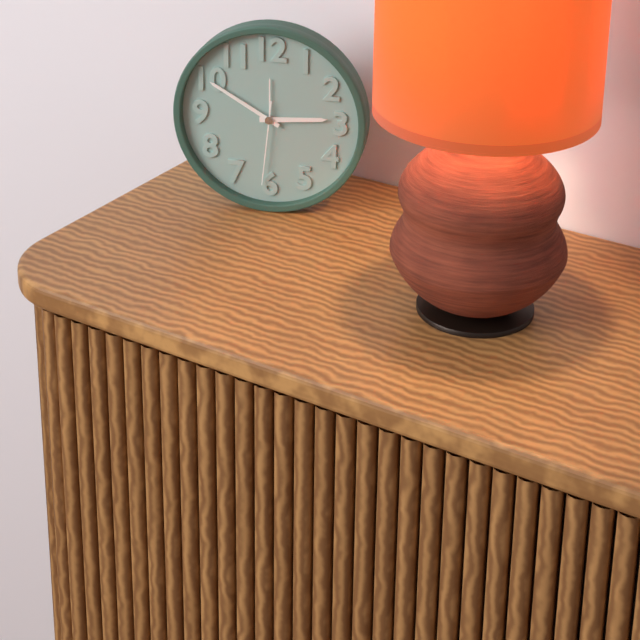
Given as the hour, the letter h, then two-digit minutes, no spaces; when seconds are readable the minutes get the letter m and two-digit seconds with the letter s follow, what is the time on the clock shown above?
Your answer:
2h50m31s
